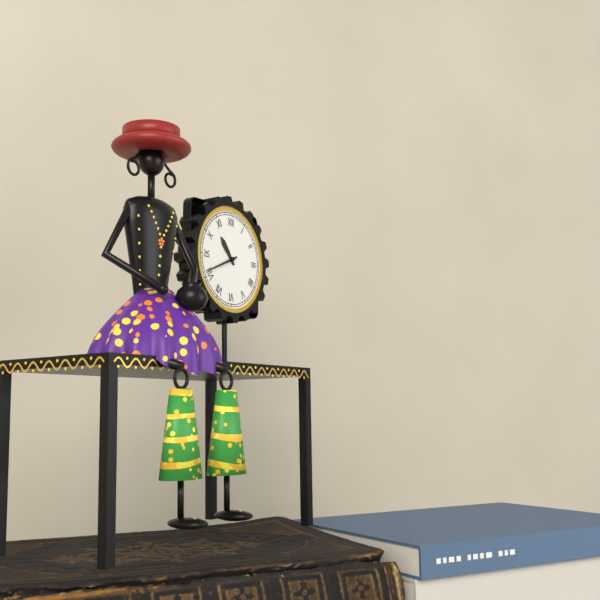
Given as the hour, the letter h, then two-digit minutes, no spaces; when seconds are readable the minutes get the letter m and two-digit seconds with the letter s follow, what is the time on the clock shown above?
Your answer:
10h41
